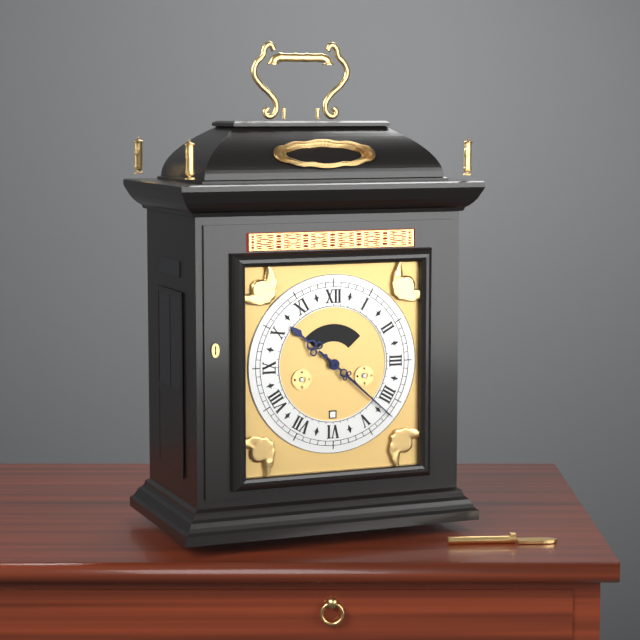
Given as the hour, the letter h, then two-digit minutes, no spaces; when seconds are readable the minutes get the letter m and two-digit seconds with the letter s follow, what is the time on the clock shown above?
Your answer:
10h22
